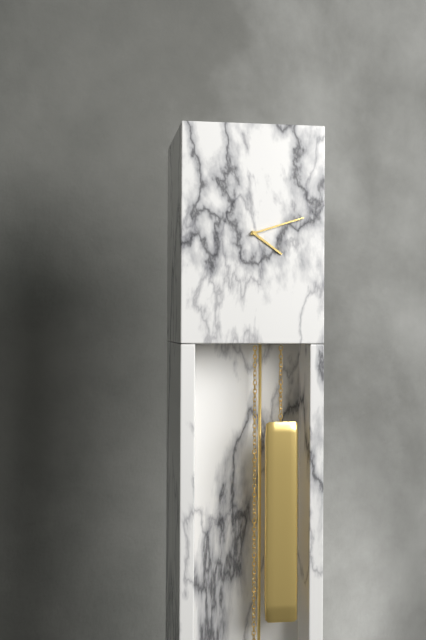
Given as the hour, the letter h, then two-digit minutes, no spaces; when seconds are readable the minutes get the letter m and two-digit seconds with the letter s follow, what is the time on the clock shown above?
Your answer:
4h12
